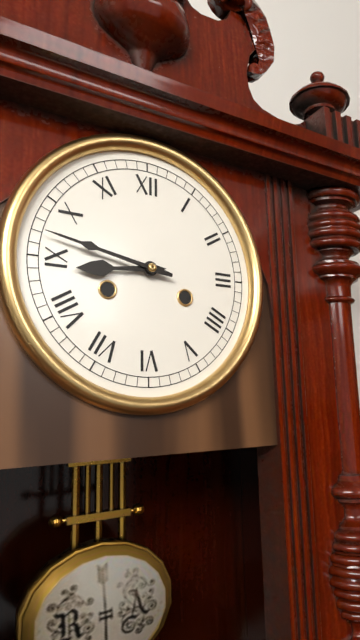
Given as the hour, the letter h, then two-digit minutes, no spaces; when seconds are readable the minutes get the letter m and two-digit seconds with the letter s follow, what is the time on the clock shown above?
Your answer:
8h47
